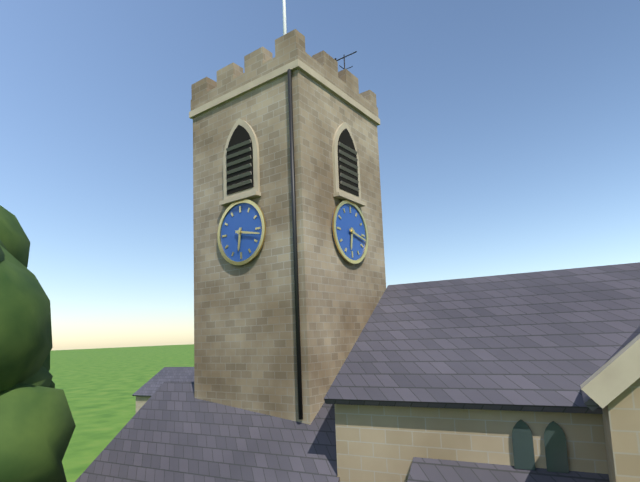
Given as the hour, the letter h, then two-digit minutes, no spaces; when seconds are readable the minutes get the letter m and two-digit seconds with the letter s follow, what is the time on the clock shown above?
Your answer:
6h17
